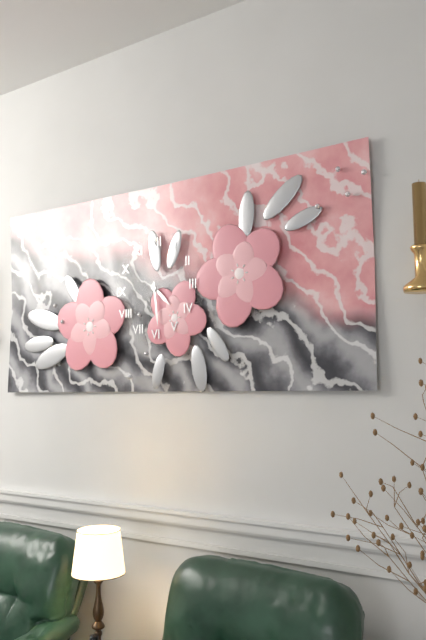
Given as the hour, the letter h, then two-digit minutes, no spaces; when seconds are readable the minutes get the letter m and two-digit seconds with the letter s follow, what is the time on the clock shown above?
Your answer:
4h29
